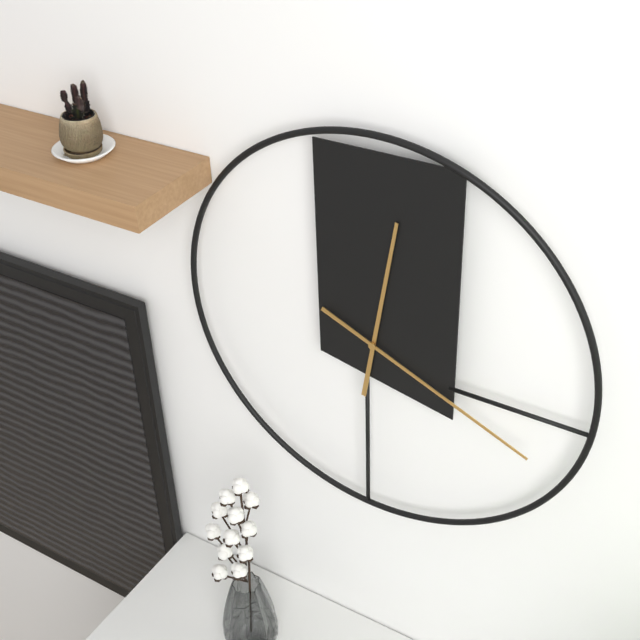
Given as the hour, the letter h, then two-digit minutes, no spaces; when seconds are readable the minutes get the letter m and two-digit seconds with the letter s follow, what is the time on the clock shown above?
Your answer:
12h19
